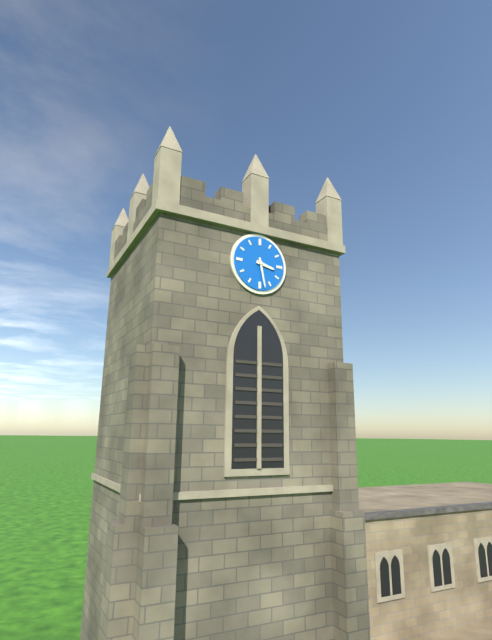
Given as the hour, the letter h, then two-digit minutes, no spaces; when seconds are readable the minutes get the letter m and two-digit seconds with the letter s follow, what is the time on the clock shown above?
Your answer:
3h28
